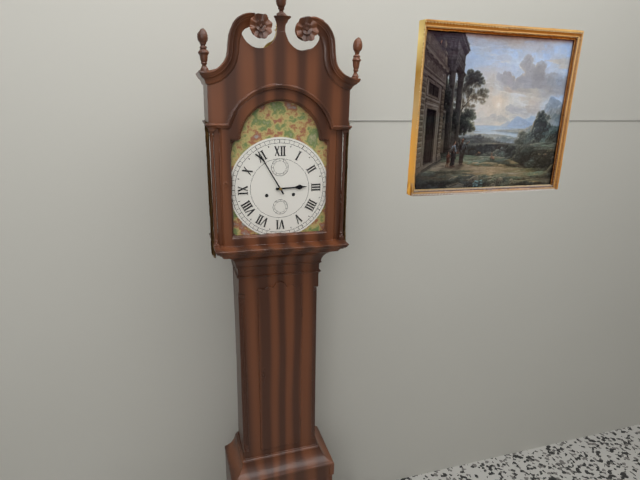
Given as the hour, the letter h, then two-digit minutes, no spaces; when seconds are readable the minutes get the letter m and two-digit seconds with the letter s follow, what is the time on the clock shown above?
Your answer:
2h55
